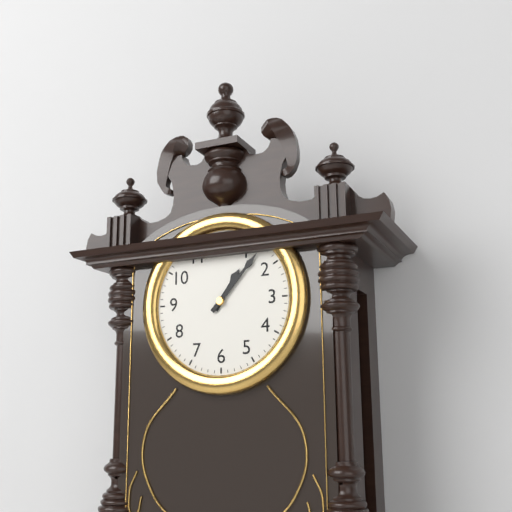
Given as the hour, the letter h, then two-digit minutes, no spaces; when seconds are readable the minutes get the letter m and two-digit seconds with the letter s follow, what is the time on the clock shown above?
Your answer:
1h07
